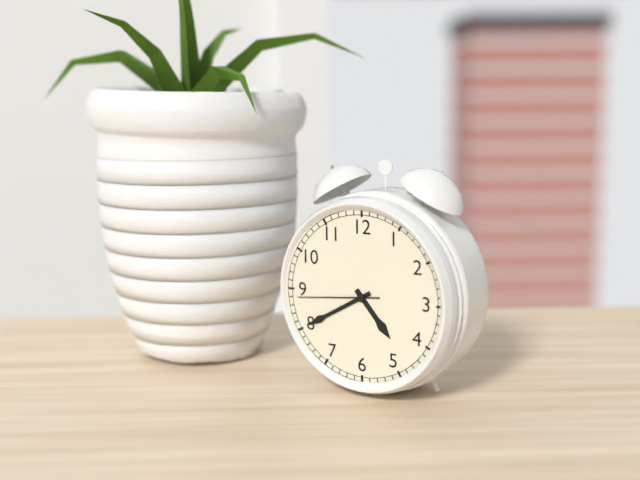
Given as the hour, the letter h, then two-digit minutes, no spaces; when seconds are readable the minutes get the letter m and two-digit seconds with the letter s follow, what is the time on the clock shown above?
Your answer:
4h40m44s
